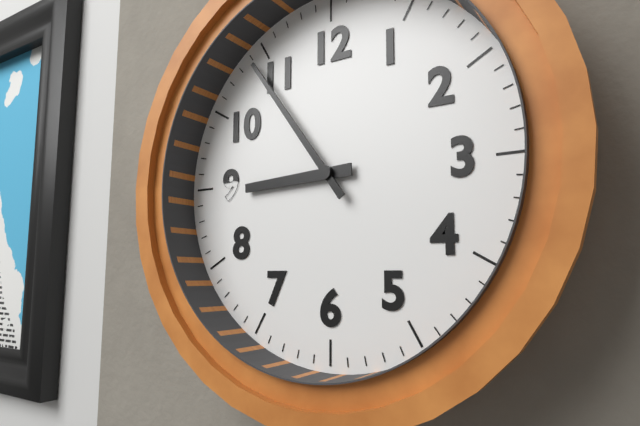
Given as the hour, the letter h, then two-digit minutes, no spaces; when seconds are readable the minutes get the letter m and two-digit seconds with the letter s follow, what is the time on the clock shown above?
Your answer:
8h54
